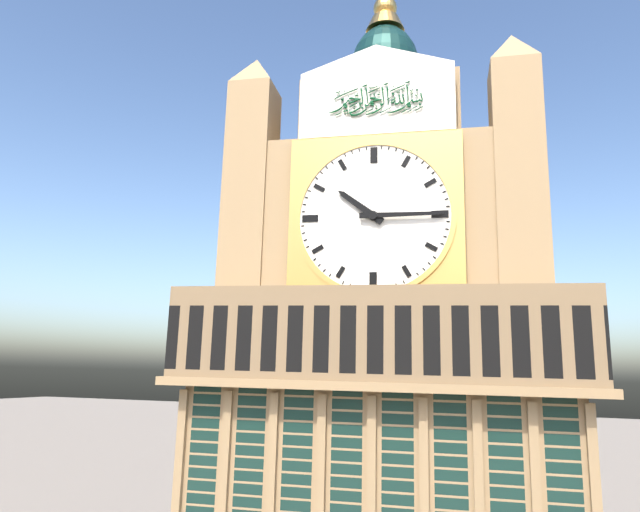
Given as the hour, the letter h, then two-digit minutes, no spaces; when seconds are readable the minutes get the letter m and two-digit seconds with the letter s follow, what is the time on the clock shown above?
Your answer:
10h15
